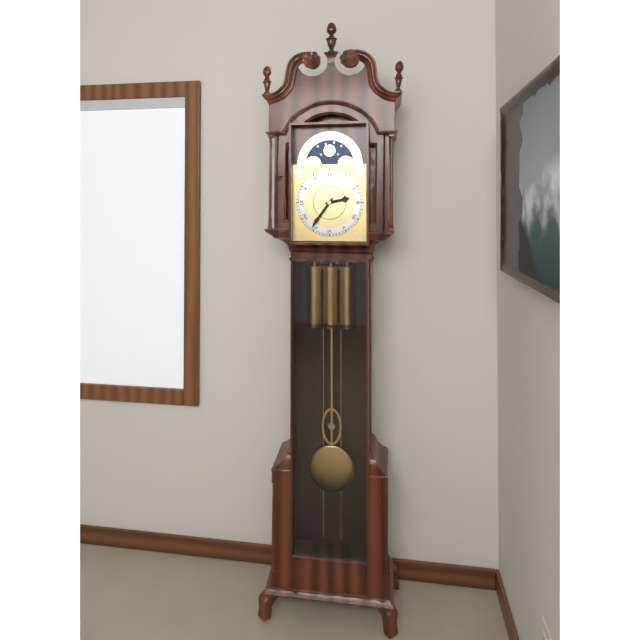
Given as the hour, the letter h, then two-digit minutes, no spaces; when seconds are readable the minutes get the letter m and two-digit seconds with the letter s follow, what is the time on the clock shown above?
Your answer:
2h36
